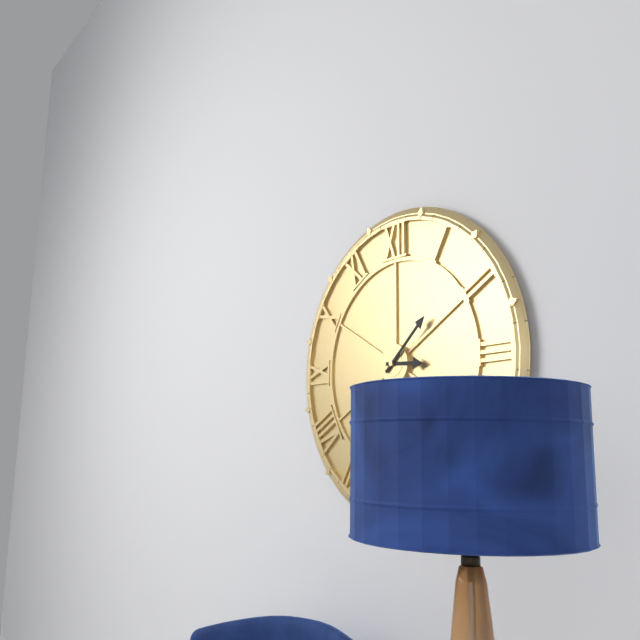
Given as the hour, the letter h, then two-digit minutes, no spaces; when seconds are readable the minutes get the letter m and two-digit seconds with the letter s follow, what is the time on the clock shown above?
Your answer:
3h08
